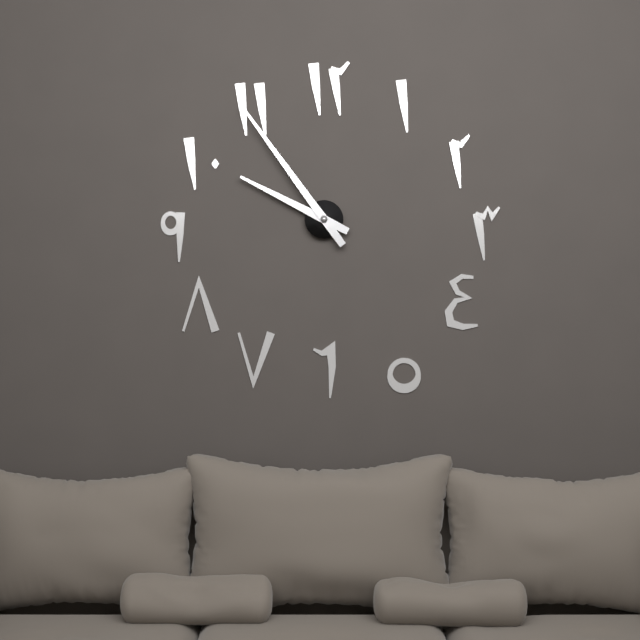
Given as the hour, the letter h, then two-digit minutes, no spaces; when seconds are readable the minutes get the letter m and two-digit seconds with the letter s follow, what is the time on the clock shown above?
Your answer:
9h54
